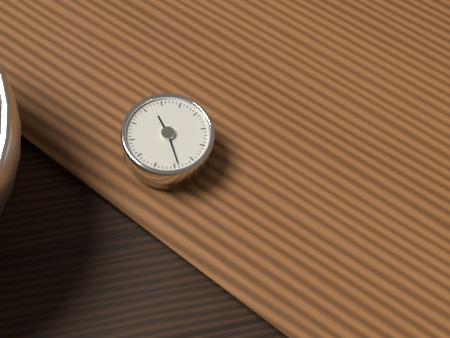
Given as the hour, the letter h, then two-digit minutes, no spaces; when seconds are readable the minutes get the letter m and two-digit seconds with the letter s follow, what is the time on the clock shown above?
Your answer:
11h29
